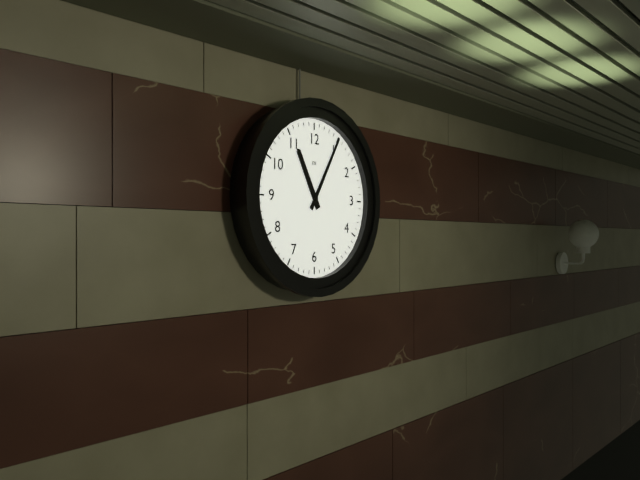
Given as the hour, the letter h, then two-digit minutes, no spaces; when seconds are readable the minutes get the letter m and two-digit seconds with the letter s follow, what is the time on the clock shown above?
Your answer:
11h05
